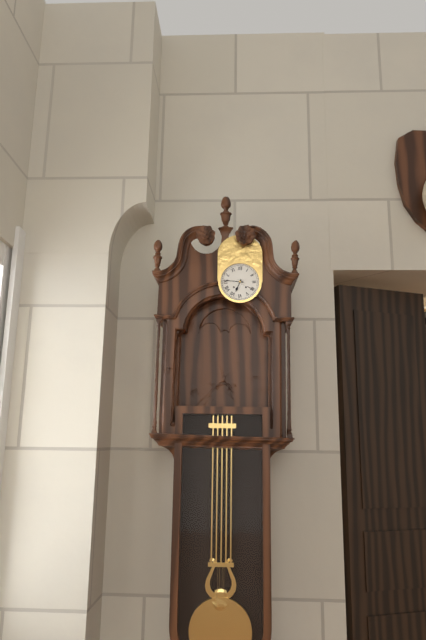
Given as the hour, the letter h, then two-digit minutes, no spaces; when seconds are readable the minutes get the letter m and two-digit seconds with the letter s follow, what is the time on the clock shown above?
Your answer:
6h46
